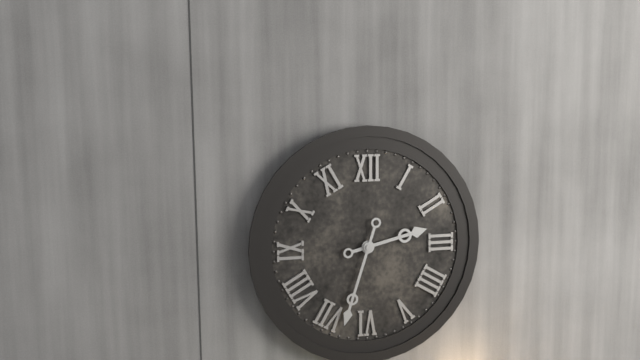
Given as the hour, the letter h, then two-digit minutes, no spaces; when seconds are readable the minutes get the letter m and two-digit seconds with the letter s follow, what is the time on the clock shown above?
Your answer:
2h33
